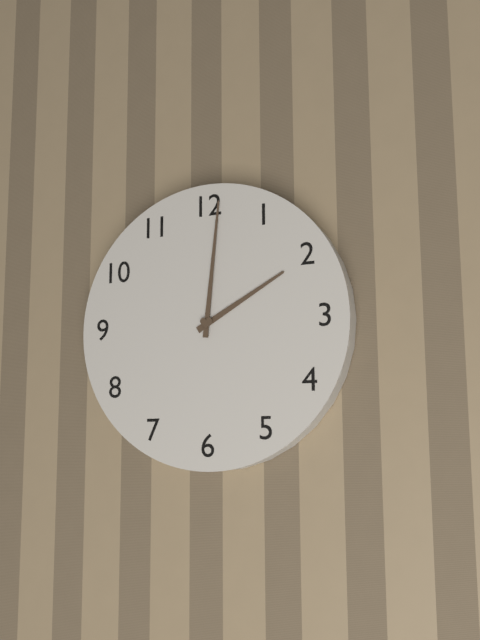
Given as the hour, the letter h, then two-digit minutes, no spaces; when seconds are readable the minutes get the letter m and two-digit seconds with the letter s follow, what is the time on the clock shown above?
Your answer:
2h01
